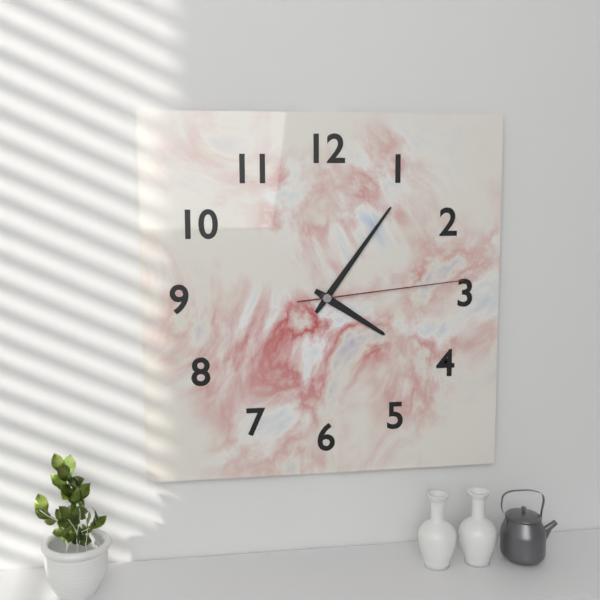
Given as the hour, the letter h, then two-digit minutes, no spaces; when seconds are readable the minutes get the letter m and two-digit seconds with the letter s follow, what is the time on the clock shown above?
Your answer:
4h06m14s
